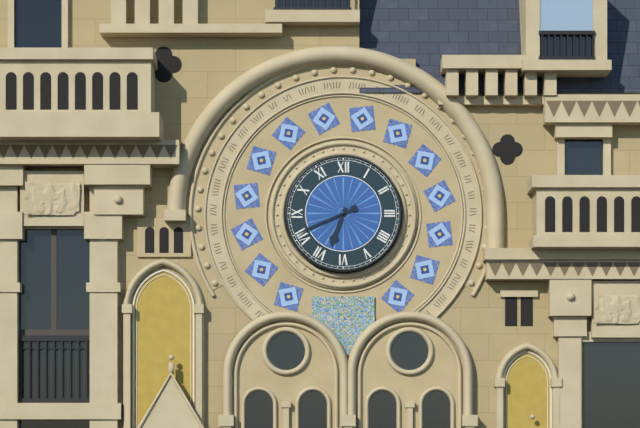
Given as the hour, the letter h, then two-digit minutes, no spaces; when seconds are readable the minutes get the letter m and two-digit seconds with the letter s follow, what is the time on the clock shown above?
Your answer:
6h41
